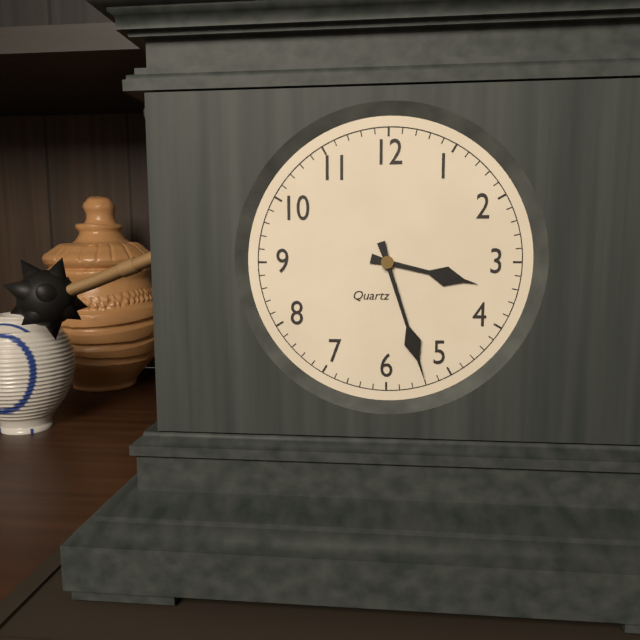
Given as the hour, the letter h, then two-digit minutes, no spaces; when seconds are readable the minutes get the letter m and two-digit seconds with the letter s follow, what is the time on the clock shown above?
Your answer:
3h27
